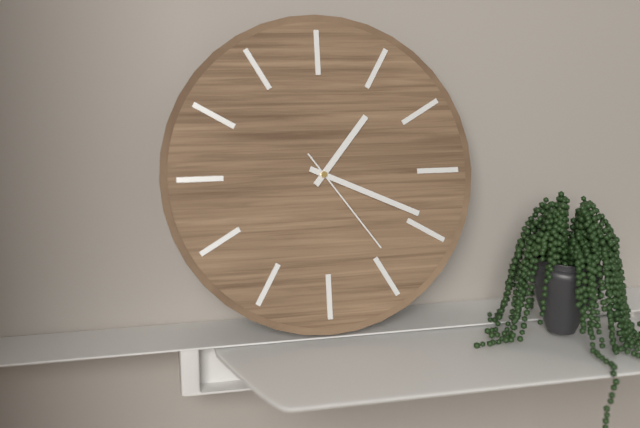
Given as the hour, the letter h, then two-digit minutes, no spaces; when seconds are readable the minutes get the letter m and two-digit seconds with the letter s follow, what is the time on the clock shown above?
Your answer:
1h19m24s
